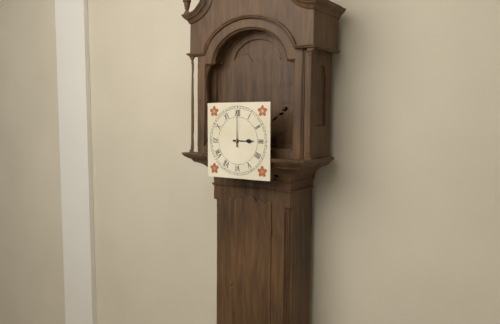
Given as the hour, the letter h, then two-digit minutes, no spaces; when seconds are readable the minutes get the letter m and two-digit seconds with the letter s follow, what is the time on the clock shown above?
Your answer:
3h00
